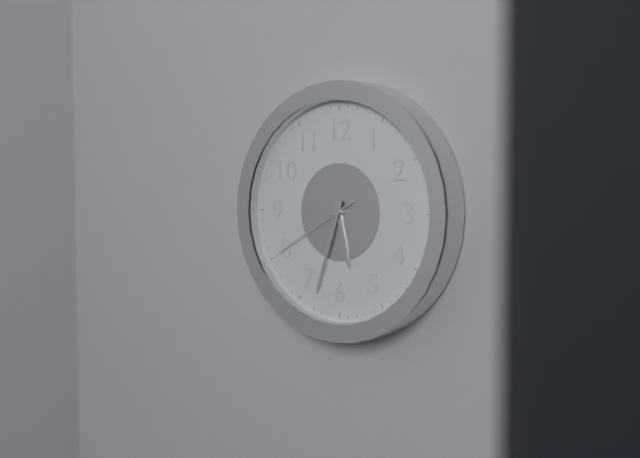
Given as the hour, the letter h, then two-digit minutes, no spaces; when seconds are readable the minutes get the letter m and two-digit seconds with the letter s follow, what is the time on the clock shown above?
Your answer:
5h33m40s
